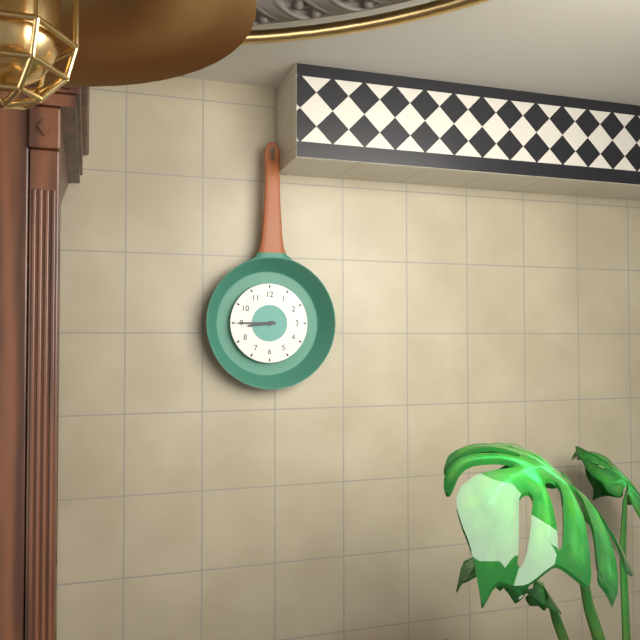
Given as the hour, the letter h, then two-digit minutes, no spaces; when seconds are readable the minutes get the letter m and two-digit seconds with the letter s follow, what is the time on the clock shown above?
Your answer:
8h45
